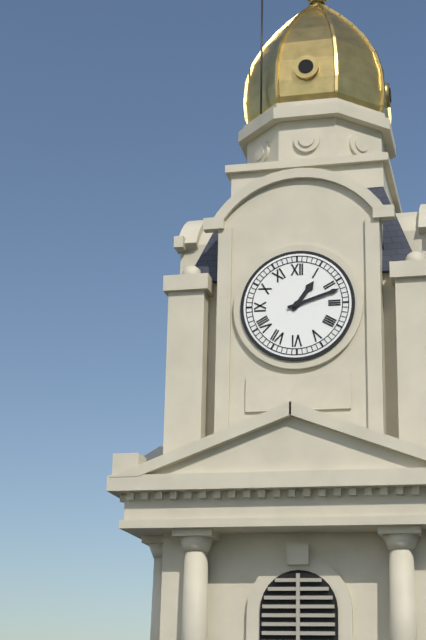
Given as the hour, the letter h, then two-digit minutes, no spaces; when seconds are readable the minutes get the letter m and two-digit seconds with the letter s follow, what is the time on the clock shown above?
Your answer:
1h12
